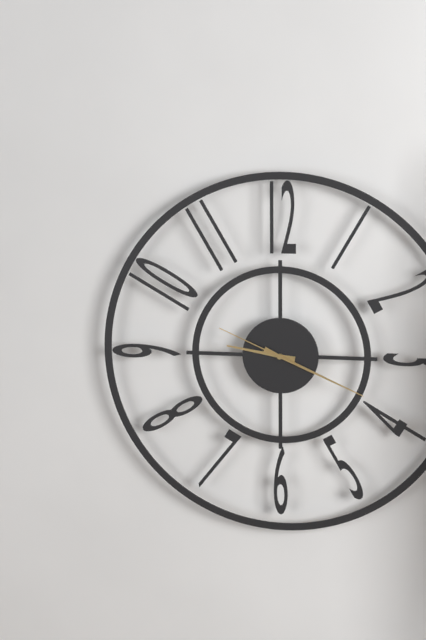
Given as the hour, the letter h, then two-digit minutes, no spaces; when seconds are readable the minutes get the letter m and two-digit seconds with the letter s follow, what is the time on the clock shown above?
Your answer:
9h19m49s
